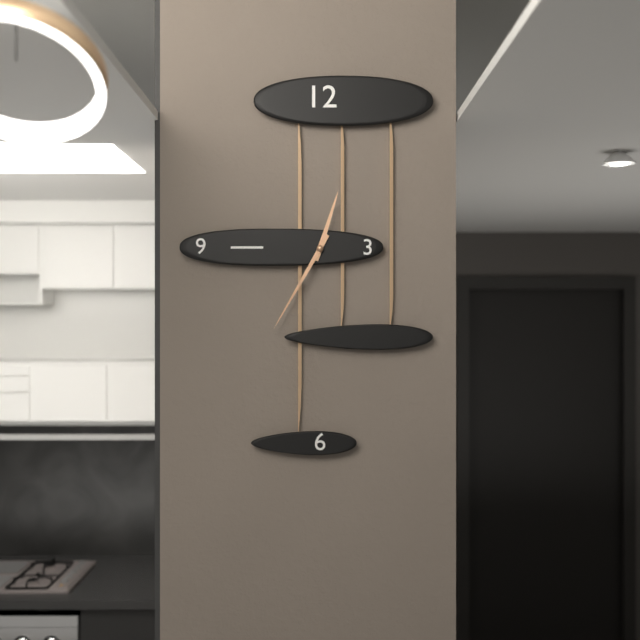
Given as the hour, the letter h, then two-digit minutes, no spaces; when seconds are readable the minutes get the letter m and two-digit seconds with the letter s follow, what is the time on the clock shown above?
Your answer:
12h35
